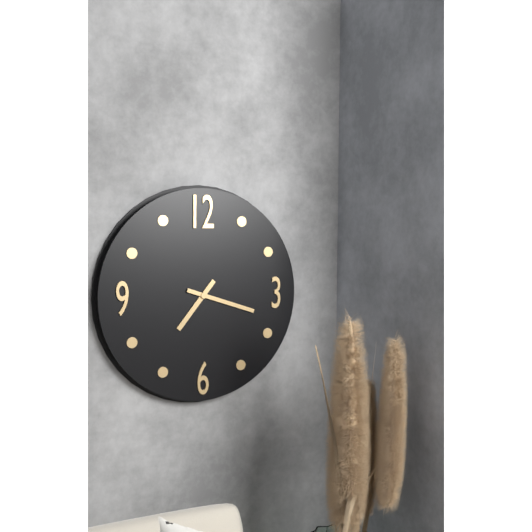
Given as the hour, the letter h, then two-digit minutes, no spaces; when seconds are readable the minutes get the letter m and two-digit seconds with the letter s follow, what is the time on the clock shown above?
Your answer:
7h18
